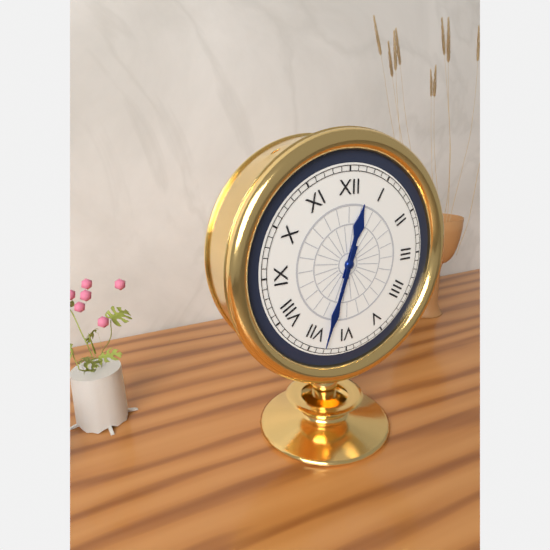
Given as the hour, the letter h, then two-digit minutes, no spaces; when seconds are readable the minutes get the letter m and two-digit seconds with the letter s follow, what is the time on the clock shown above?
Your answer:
12h33
